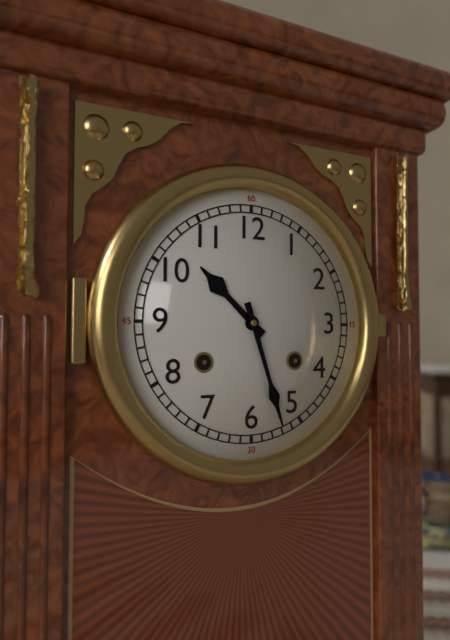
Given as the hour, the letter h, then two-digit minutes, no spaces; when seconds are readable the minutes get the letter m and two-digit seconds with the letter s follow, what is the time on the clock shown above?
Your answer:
10h27
